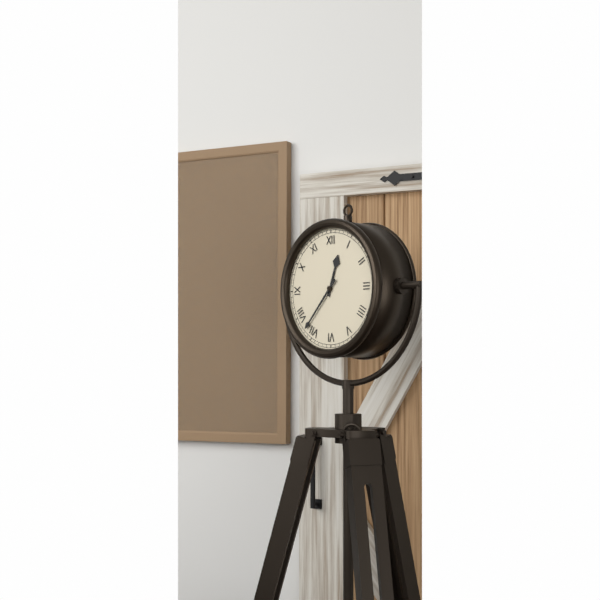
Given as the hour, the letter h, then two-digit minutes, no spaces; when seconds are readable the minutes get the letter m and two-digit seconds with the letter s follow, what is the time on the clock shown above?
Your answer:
12h37
